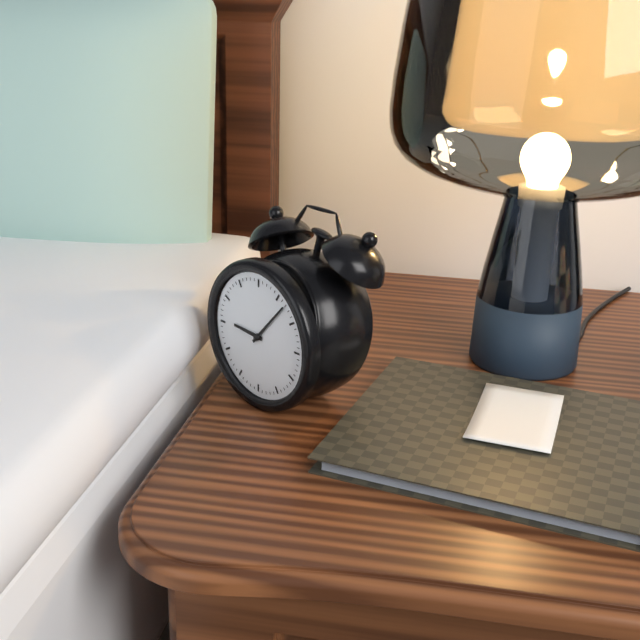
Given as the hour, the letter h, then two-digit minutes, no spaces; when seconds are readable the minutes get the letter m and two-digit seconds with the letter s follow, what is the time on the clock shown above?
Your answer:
9h07
